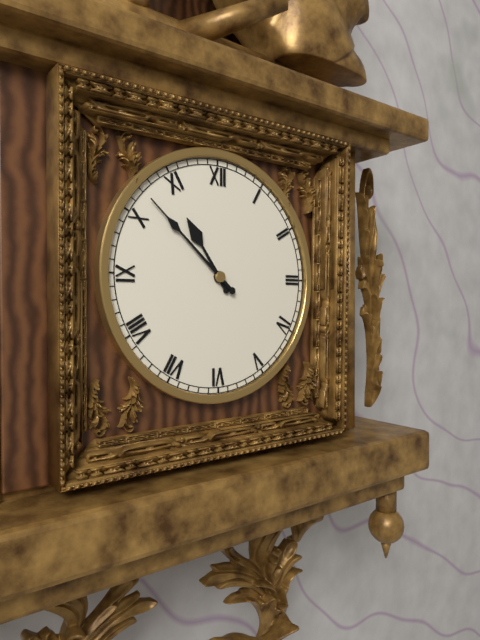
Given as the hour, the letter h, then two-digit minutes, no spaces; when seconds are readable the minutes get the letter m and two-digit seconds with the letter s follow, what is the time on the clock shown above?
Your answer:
10h52
